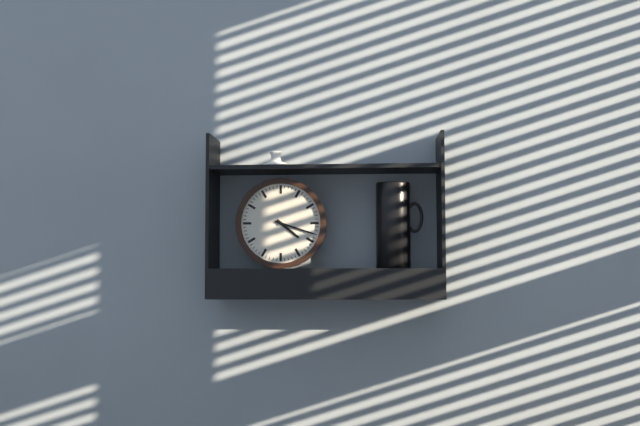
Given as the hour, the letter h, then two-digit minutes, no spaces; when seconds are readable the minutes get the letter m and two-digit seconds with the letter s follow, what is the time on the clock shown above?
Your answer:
4h18
